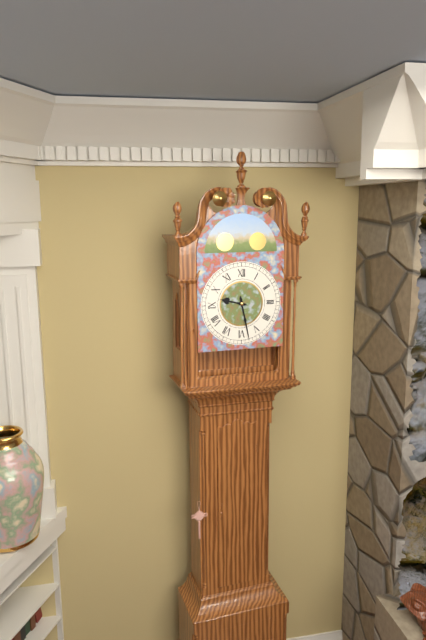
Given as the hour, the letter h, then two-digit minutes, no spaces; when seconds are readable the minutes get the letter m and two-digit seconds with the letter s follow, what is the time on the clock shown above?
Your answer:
9h28
